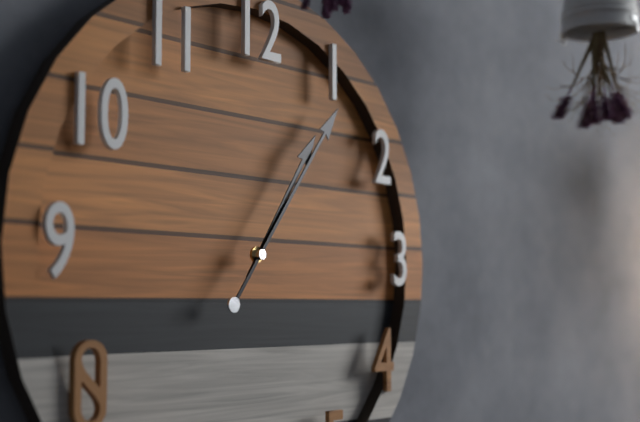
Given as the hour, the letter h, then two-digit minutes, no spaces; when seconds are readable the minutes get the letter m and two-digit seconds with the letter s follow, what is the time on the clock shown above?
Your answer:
1h06
